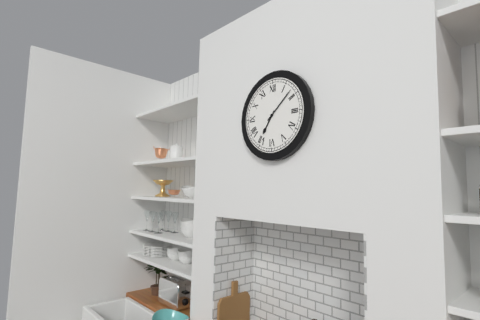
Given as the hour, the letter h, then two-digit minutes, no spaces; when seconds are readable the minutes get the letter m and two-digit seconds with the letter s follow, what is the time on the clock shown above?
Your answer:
7h08
